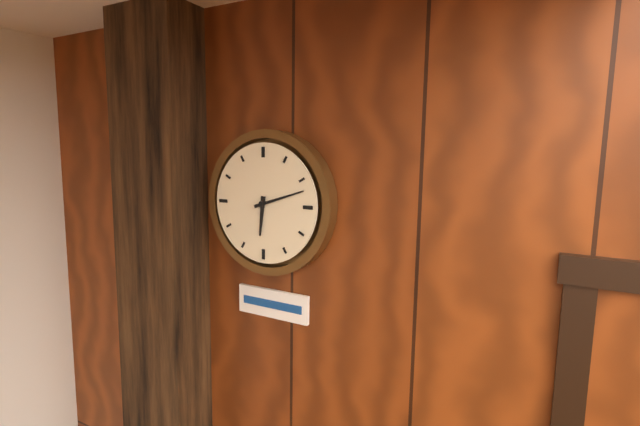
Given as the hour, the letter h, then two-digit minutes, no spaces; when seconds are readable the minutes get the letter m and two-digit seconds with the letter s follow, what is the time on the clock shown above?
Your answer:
6h12
